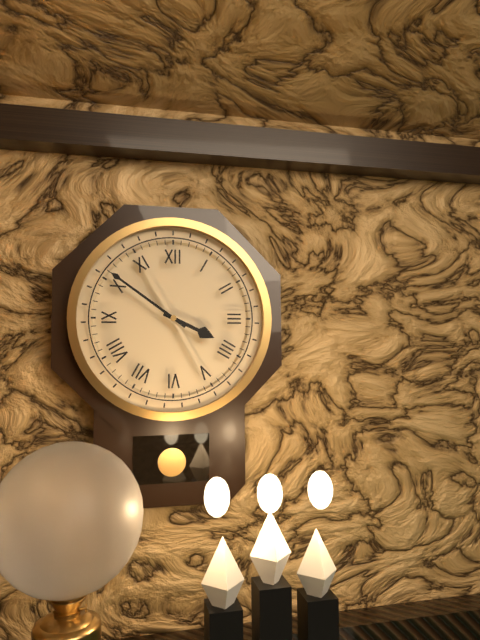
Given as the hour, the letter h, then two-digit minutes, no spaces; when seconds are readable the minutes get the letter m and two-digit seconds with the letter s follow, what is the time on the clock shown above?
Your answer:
3h51
